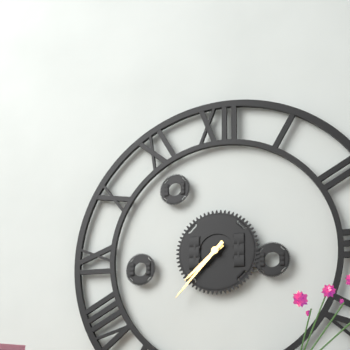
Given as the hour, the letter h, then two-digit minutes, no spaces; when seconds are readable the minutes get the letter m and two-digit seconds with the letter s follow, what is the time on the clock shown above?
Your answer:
7h37
